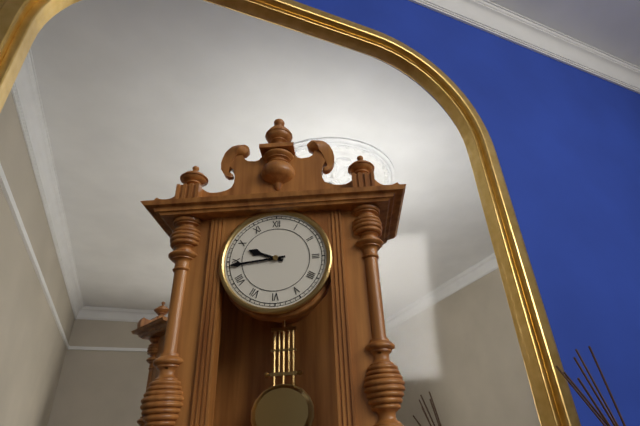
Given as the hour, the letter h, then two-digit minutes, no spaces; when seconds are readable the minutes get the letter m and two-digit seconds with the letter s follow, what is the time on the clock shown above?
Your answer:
9h44
